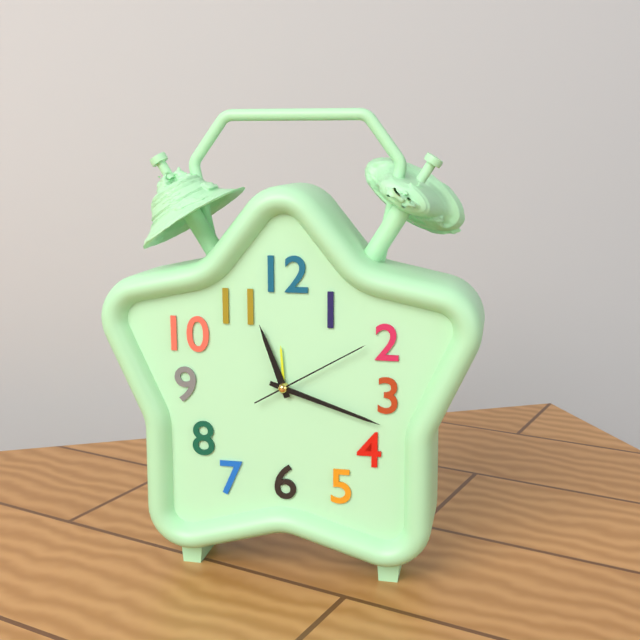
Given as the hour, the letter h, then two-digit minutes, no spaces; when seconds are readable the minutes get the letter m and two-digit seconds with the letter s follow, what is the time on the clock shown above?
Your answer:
11h18m10s
